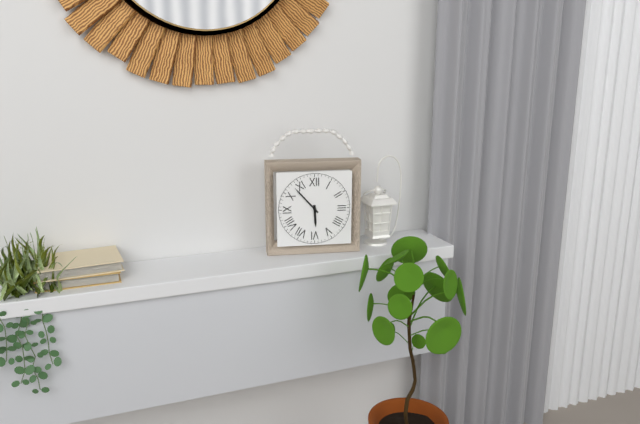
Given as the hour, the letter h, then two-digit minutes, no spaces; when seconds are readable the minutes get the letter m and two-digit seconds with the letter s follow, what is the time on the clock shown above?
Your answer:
5h53
